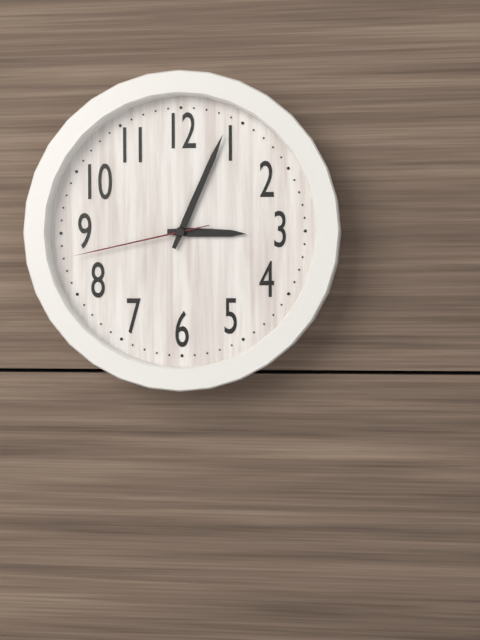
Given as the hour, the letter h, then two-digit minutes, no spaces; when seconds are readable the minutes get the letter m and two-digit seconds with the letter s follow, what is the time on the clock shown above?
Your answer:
3h04m43s
